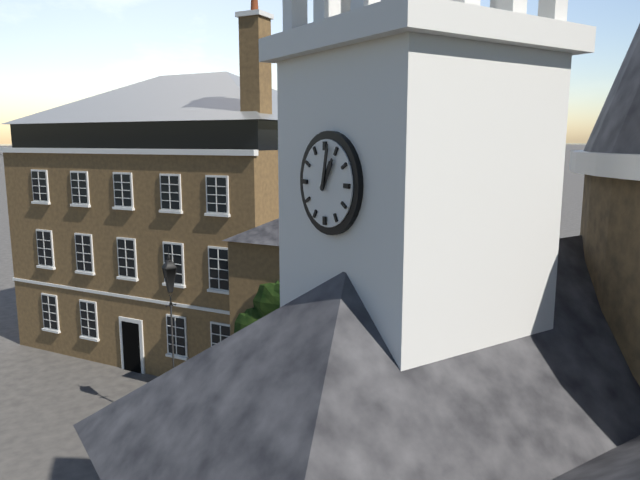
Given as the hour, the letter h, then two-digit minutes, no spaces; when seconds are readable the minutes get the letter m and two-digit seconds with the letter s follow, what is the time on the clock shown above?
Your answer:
1h02
